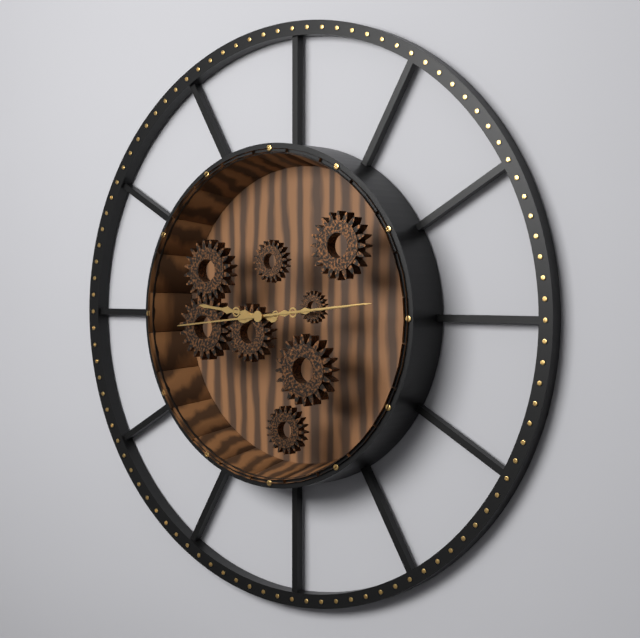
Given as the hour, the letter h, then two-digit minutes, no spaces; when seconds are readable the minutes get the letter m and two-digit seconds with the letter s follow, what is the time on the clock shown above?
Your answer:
9h14m14s
